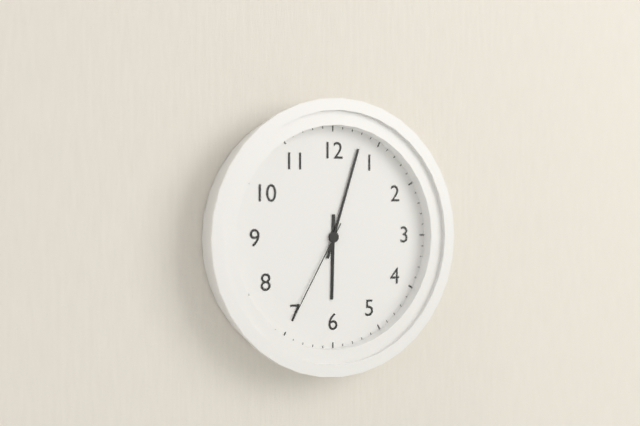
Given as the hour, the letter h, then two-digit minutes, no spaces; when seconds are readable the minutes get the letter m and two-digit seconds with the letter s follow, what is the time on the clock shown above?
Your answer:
6h03m35s
